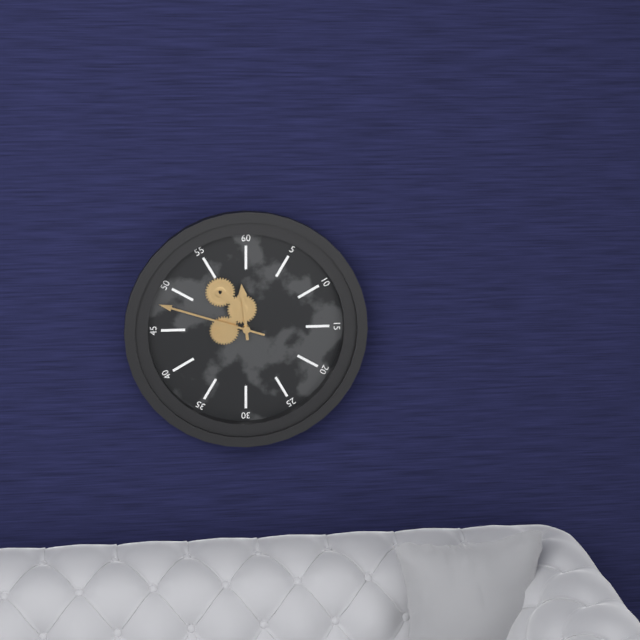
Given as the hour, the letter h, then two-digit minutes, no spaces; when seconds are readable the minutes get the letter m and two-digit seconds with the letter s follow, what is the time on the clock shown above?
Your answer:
11h48
